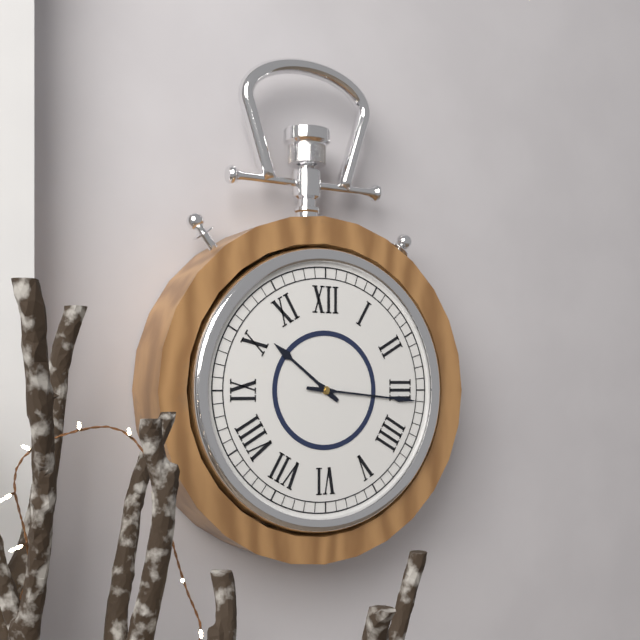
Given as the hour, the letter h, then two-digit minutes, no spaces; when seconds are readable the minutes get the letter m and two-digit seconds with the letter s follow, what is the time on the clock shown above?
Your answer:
10h16
